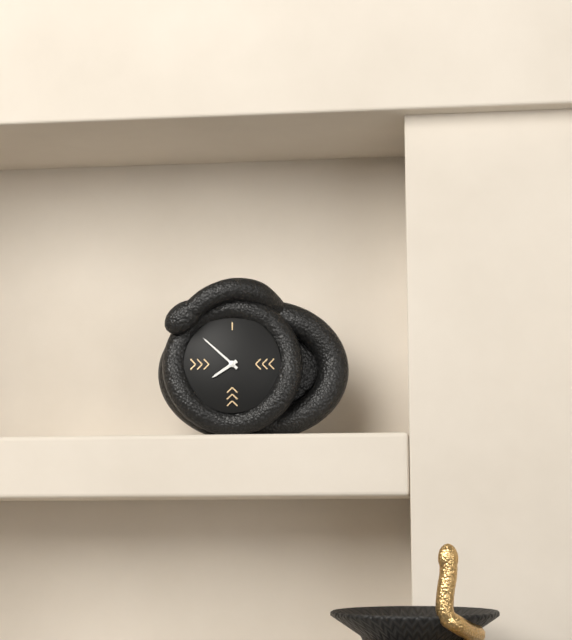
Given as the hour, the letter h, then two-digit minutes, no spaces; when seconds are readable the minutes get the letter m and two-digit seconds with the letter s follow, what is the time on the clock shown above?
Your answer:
7h52
